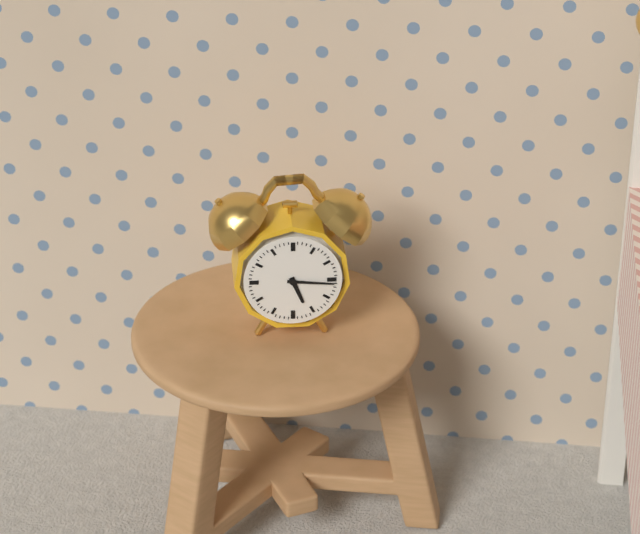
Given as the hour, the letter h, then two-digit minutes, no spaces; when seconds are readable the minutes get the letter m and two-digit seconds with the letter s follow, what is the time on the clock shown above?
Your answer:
5h16
